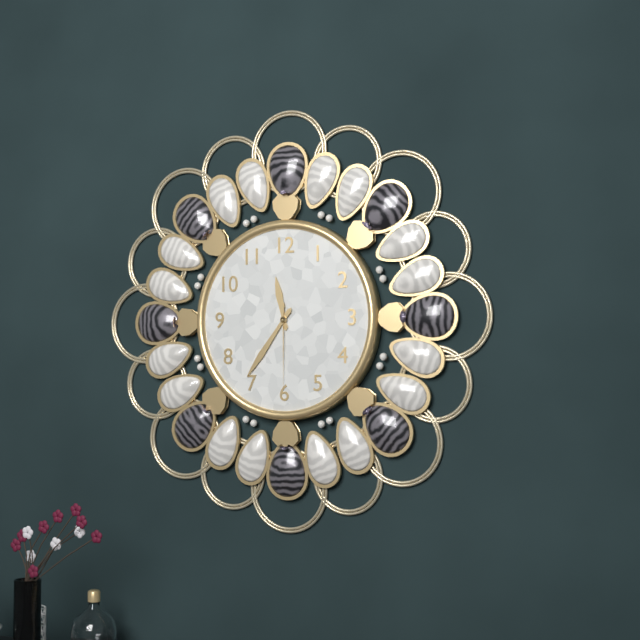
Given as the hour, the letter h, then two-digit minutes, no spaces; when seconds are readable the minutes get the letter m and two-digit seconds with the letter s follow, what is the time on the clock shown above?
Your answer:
11h36m30s
